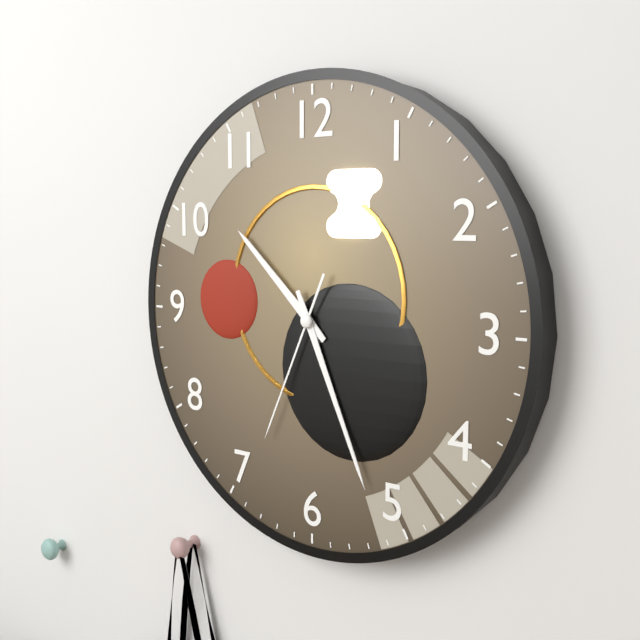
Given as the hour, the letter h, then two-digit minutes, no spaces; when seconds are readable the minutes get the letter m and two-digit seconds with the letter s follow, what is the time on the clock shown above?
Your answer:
10h26m34s
